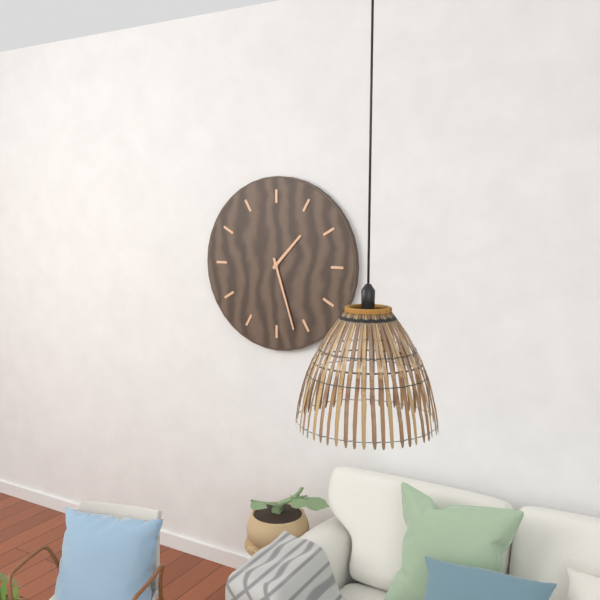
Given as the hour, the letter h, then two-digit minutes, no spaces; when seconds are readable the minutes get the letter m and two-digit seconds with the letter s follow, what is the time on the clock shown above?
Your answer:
1h27
